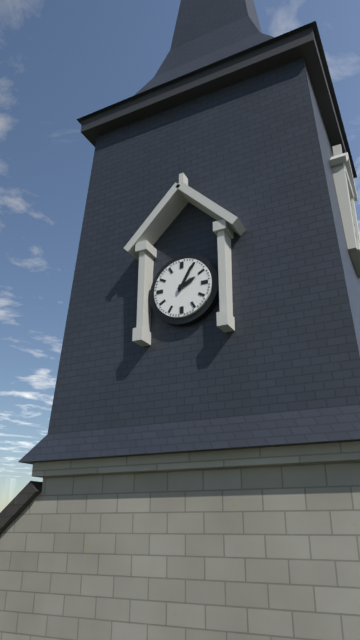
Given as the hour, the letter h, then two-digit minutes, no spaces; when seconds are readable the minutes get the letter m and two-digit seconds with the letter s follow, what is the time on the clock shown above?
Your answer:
2h05
